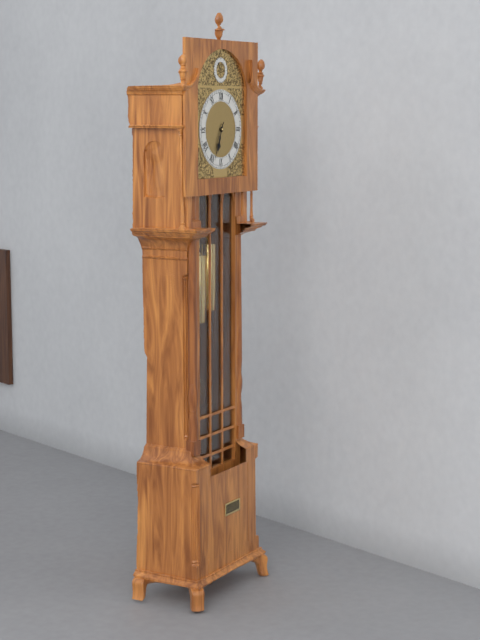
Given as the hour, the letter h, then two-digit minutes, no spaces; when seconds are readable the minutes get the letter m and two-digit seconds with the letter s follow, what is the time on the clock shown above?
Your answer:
6h34
